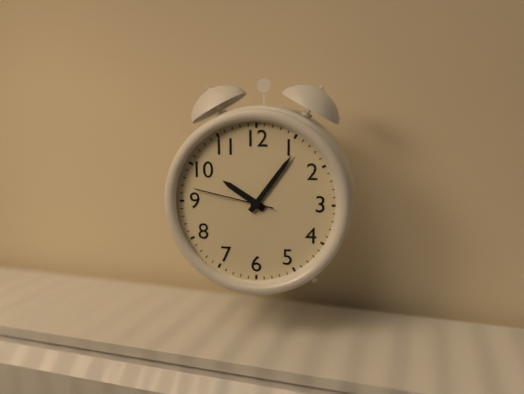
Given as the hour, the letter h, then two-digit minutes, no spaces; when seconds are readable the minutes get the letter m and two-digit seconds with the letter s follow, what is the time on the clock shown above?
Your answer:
10h06m47s
